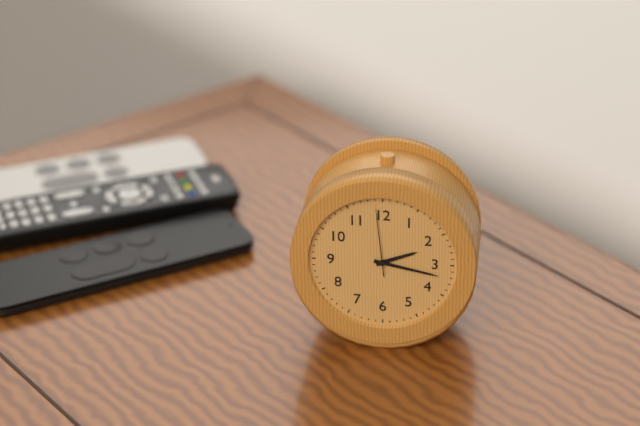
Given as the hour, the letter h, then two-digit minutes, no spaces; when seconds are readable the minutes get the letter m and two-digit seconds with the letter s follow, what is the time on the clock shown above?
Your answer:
2h17m59s
